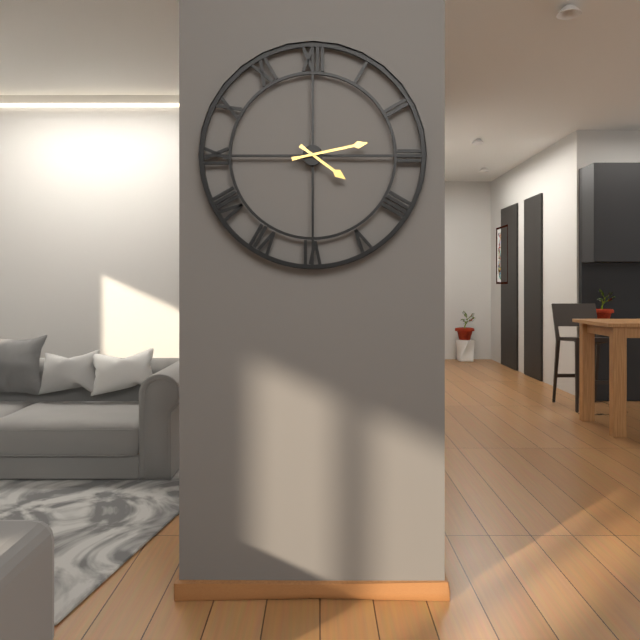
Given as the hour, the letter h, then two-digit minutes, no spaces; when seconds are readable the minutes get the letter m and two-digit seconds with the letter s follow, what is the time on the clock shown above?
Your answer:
4h13
